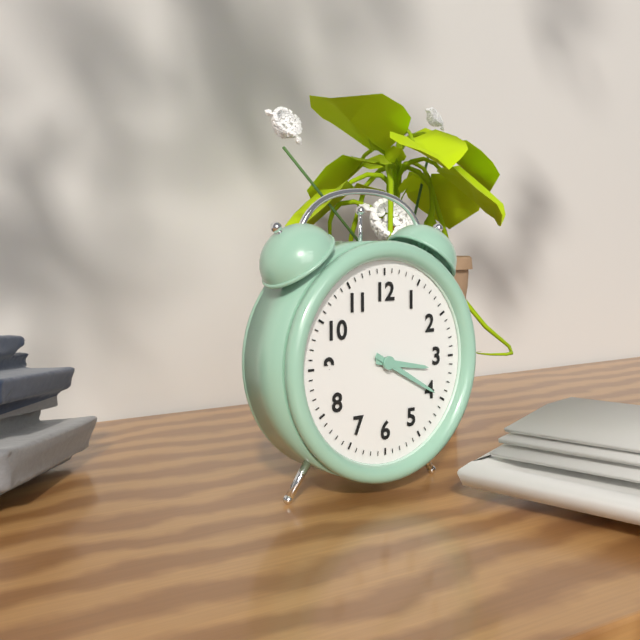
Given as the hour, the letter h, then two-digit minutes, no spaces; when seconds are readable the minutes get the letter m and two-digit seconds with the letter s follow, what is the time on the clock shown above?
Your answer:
3h20
